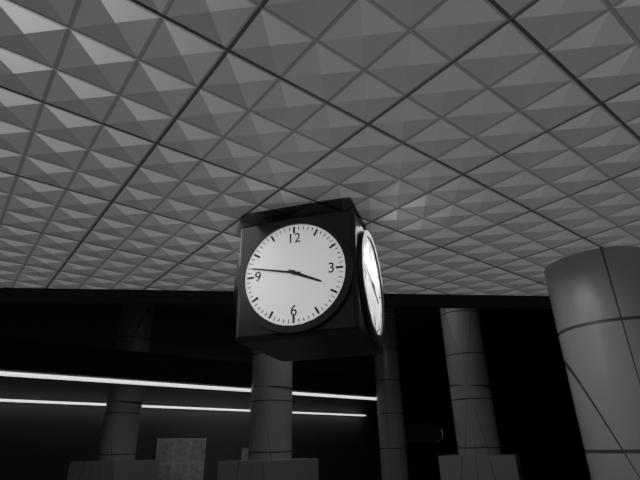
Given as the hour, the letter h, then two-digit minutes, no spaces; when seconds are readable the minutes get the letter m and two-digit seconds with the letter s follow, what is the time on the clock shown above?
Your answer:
3h47
